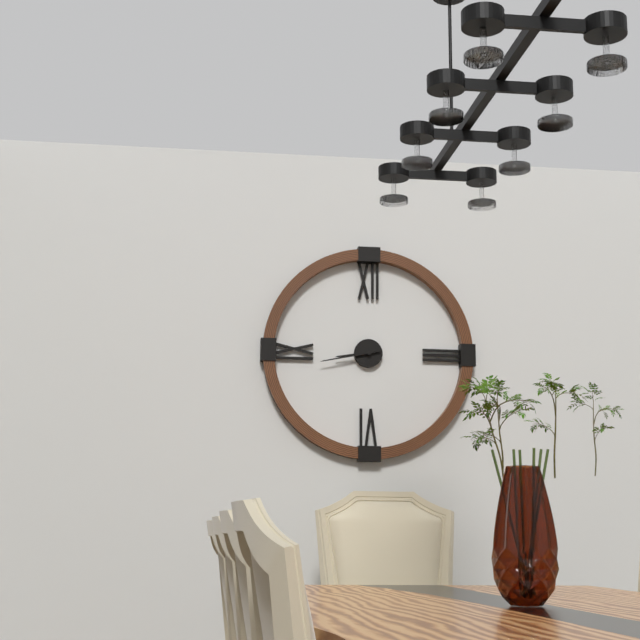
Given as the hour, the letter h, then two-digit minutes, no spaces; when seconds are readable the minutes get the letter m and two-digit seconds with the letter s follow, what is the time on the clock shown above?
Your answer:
8h43
